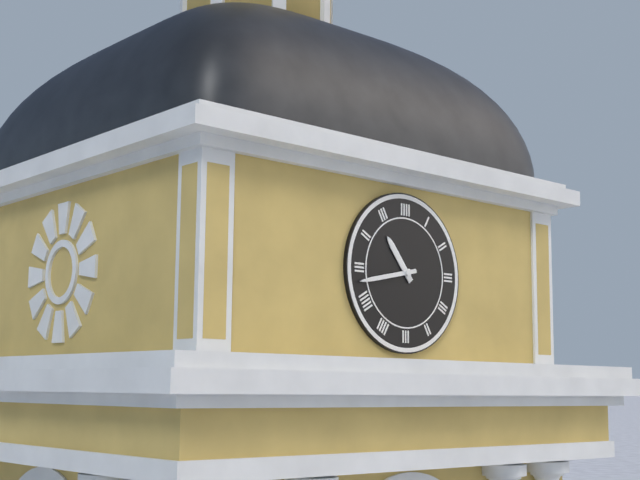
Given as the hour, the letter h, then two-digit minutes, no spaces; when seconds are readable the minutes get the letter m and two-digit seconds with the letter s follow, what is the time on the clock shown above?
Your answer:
10h43
